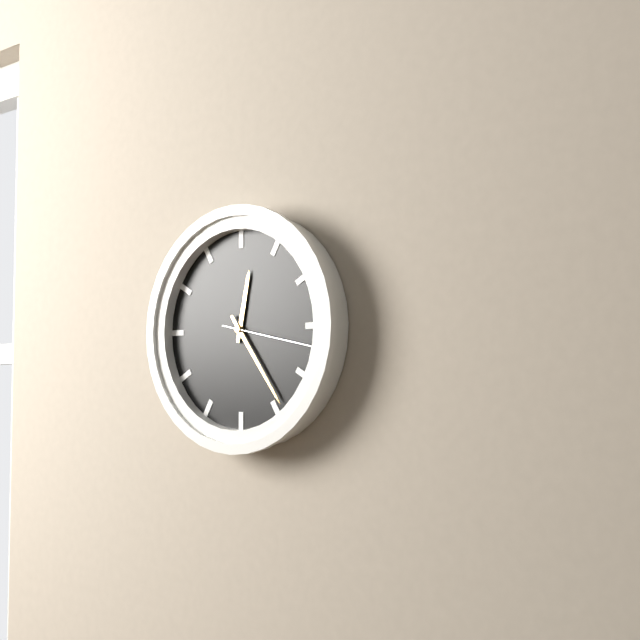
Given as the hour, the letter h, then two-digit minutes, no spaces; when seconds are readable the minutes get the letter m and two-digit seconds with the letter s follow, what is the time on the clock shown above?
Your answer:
12h24m17s
